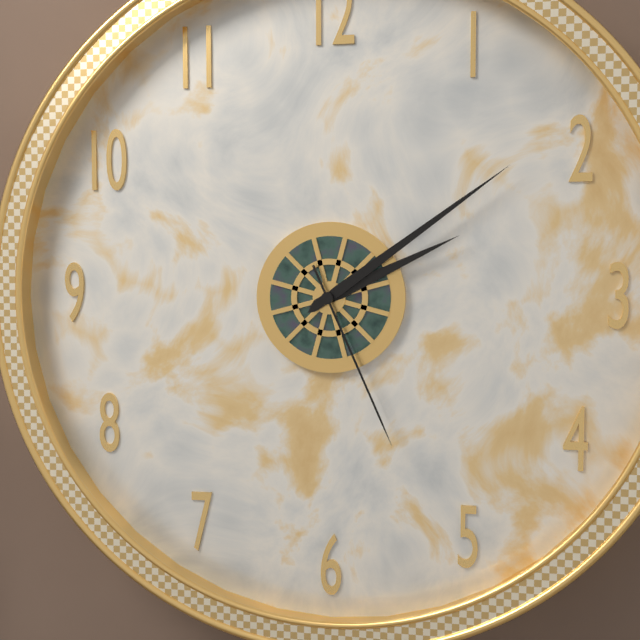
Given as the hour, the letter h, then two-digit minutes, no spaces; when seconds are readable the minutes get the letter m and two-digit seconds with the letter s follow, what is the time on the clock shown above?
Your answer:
2h09m26s
